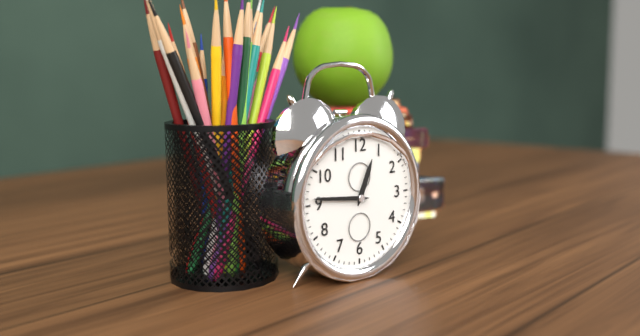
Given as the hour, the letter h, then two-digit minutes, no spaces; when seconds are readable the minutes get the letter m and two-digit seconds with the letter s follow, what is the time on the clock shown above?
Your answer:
12h46
